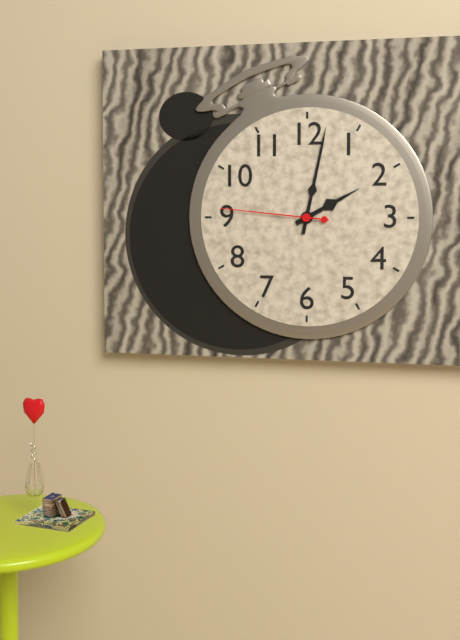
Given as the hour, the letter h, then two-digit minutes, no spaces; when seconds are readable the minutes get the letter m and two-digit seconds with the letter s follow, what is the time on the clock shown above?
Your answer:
2h02m46s
